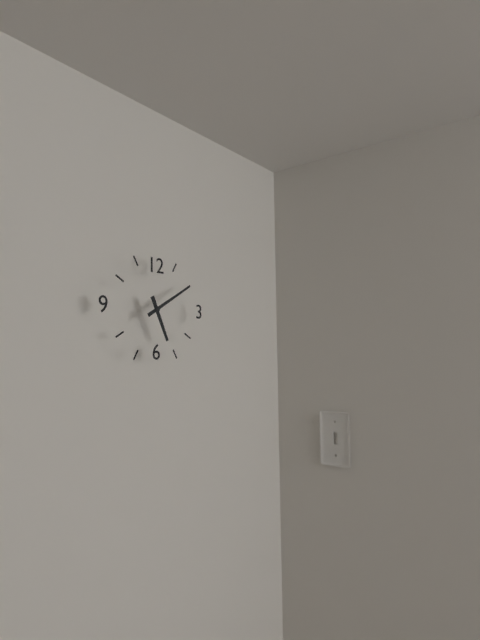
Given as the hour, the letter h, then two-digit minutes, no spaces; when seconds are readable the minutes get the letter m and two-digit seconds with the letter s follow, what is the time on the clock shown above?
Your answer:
5h10
